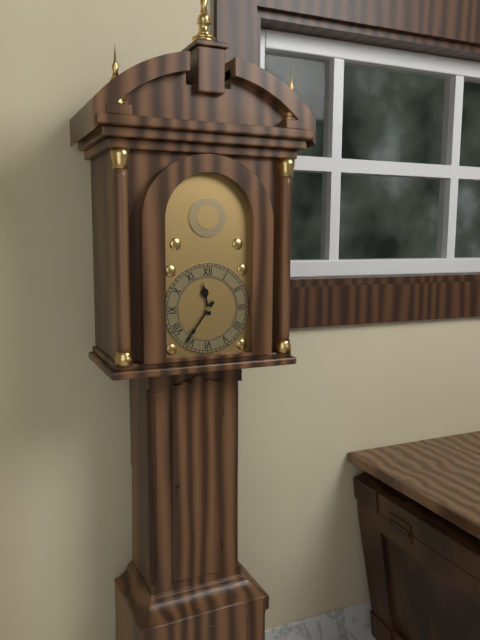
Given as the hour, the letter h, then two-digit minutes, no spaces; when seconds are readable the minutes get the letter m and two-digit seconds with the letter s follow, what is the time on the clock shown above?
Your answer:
11h36
